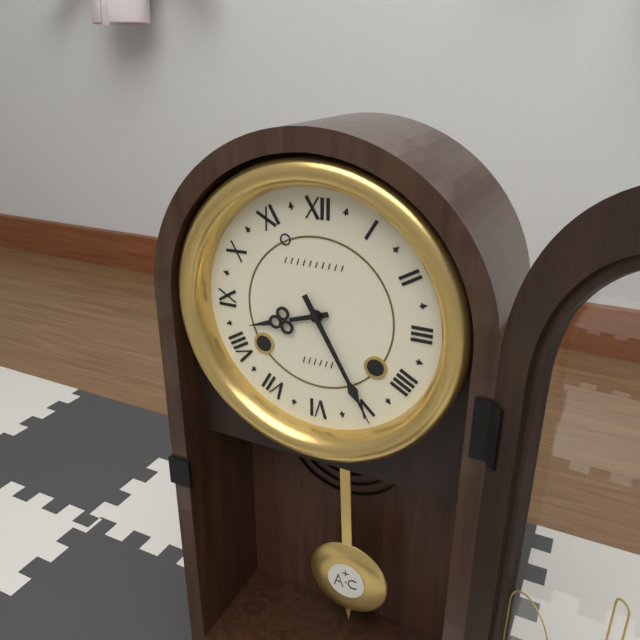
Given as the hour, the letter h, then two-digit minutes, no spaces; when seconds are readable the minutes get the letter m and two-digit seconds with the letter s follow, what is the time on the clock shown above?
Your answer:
8h25
